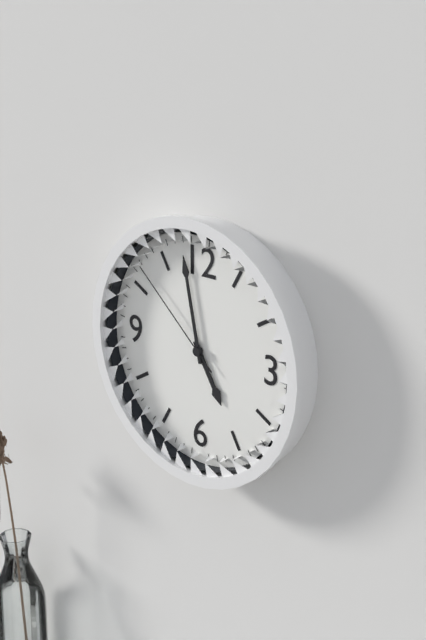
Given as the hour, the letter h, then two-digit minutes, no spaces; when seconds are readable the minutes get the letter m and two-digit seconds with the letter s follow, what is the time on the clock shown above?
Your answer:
4h58m52s
